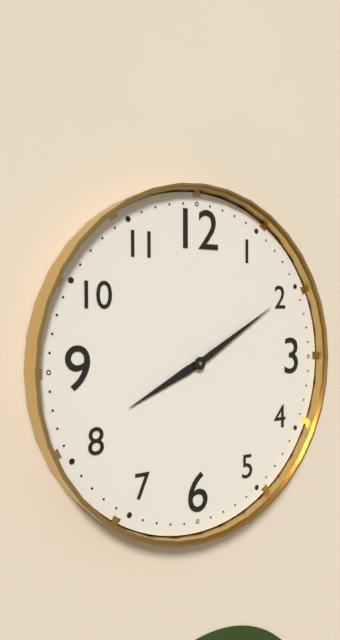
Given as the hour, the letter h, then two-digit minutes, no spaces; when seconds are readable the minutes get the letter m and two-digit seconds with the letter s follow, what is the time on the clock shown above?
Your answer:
8h10
